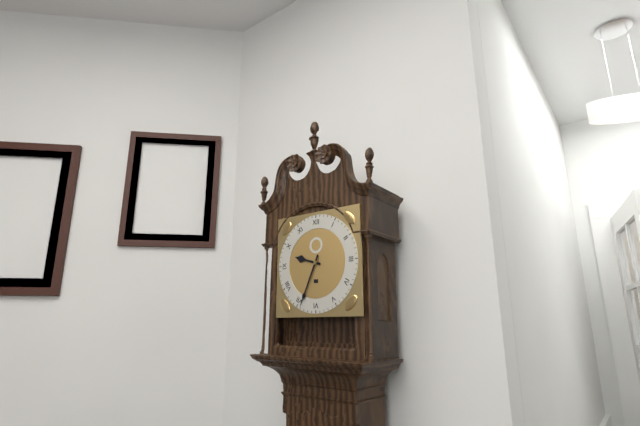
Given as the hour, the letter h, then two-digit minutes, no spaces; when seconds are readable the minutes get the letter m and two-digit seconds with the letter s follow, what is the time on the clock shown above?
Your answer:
9h34
